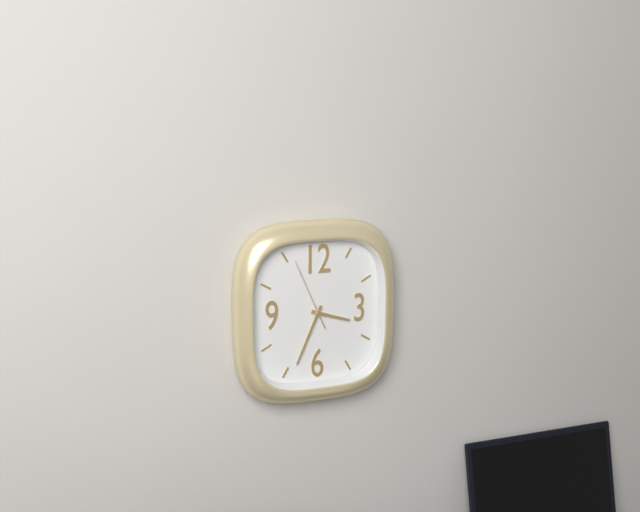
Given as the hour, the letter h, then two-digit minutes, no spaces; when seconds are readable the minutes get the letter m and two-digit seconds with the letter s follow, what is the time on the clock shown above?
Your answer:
3h34m56s
